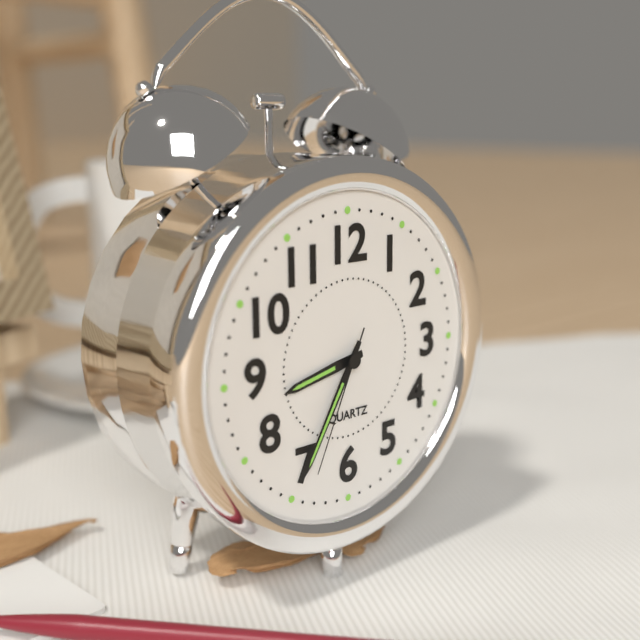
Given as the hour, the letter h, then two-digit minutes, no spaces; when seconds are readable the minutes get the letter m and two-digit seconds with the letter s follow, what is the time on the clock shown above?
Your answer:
8h35m34s
